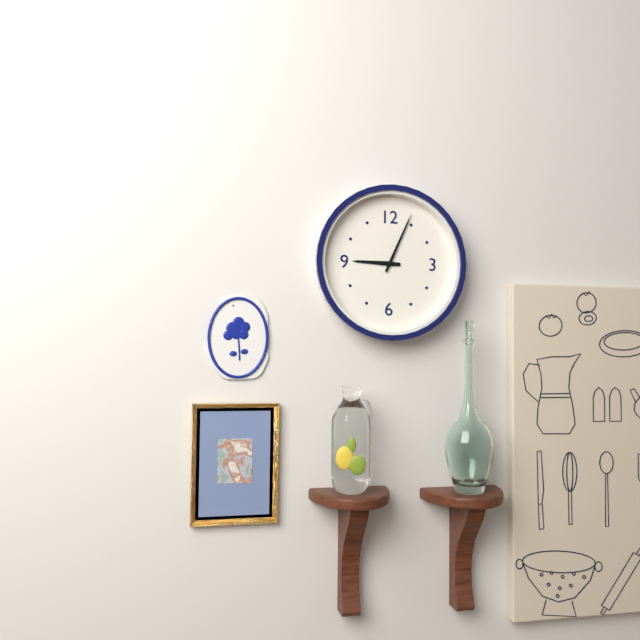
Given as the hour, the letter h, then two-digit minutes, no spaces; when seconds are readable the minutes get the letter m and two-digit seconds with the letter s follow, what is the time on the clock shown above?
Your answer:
9h04
